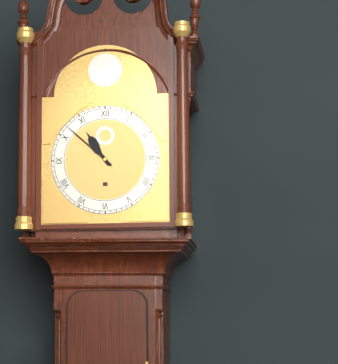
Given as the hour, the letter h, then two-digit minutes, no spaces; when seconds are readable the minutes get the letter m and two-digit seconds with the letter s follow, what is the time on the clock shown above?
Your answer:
10h52
